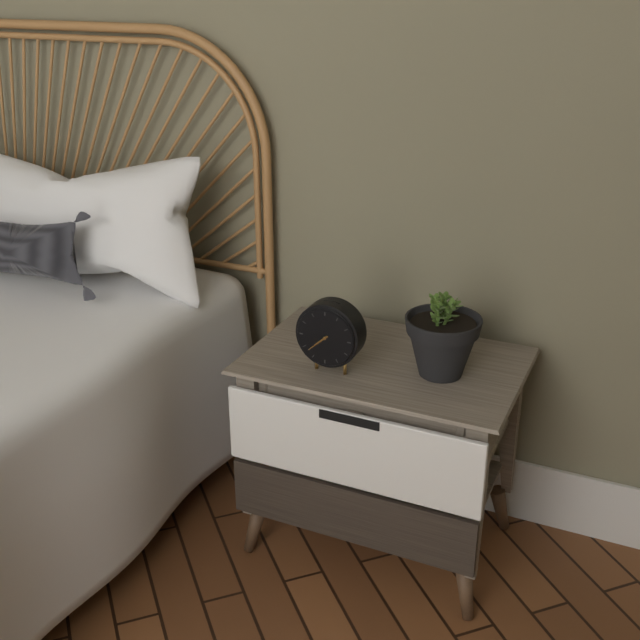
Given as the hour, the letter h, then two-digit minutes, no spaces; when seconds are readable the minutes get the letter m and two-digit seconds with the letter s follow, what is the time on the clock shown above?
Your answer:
7h38
